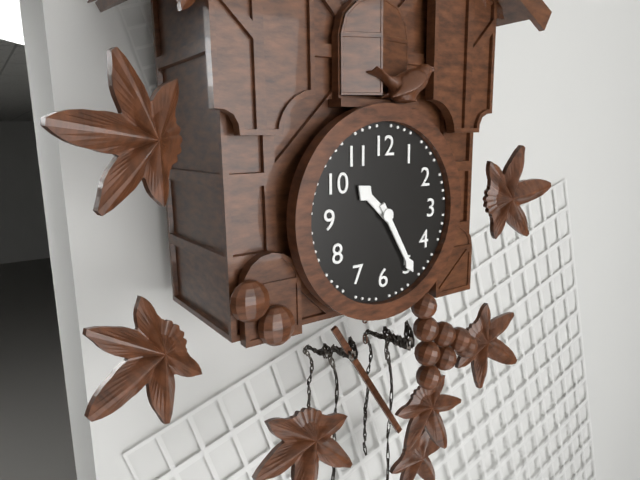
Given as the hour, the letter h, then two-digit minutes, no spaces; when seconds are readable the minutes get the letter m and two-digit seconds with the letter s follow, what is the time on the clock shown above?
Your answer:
10h25
